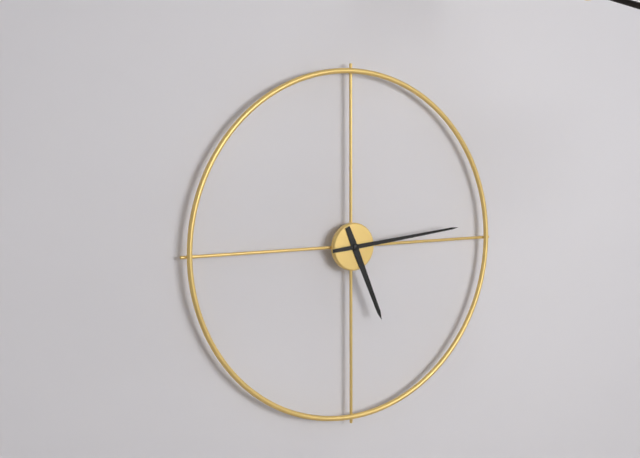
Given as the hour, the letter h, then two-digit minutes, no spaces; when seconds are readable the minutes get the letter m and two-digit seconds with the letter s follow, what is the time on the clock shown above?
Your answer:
5h14
